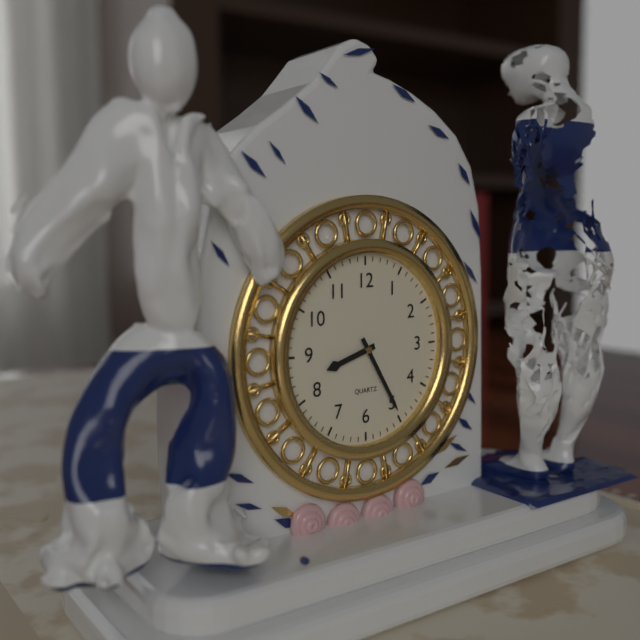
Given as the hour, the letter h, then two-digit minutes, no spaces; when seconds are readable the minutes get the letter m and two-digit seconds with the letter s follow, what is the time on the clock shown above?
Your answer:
8h25
